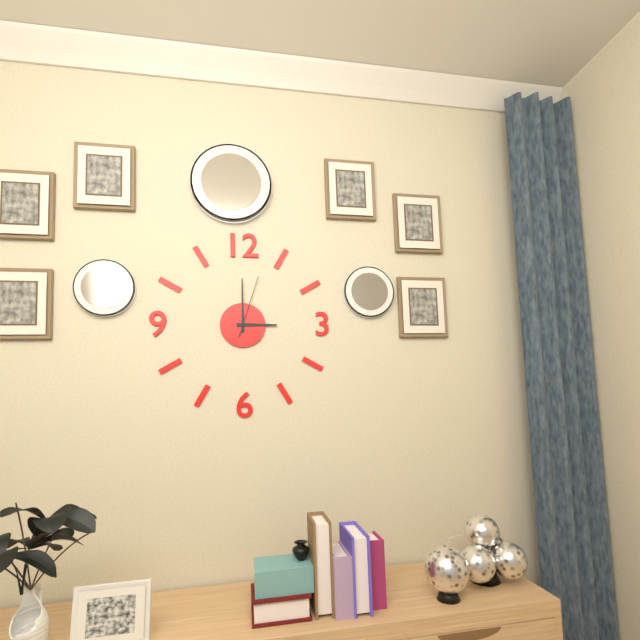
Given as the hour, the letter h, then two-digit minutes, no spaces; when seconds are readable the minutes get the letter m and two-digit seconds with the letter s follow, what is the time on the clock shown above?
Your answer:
3h00m03s
